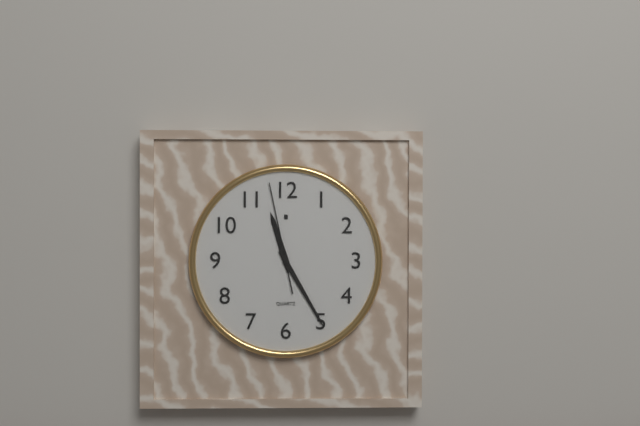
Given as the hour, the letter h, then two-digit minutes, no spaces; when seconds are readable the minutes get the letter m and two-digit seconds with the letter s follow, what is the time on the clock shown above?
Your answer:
11h25m58s
